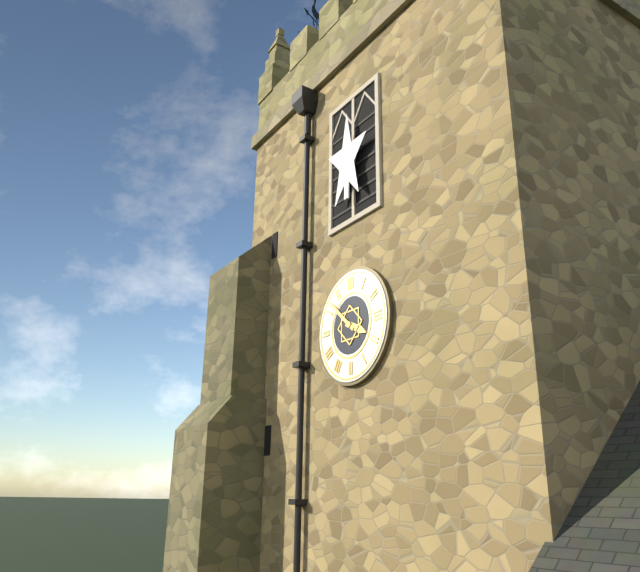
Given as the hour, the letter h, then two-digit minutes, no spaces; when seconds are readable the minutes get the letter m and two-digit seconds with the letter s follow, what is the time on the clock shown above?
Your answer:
3h52
